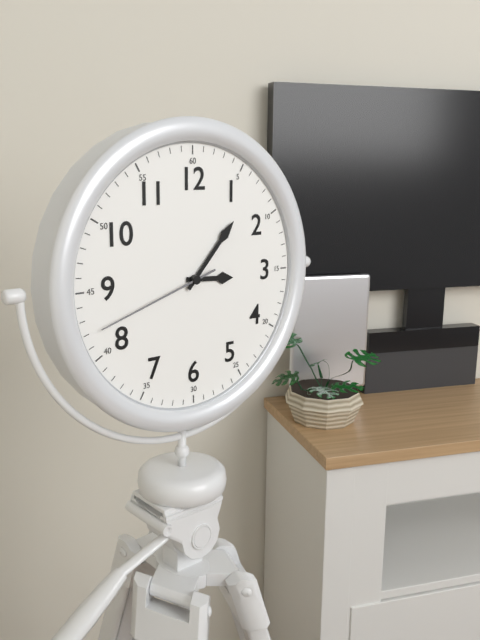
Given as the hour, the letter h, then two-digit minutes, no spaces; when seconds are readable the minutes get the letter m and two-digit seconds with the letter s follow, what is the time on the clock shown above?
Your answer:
3h07m42s
